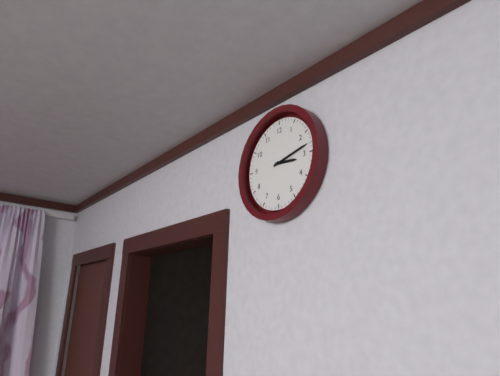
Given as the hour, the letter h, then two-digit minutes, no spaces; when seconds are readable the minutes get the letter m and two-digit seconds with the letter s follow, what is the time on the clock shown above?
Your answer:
3h13
